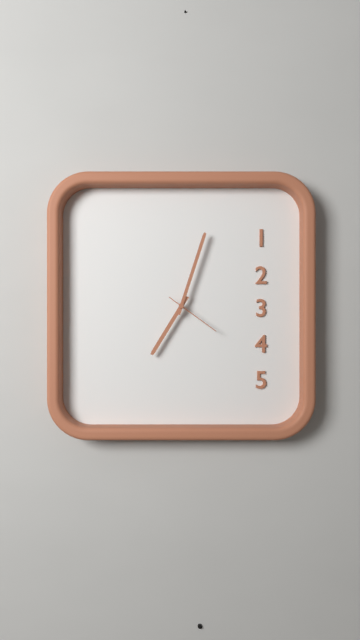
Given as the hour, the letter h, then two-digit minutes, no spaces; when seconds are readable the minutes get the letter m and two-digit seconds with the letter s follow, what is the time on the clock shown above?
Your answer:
7h03m21s
